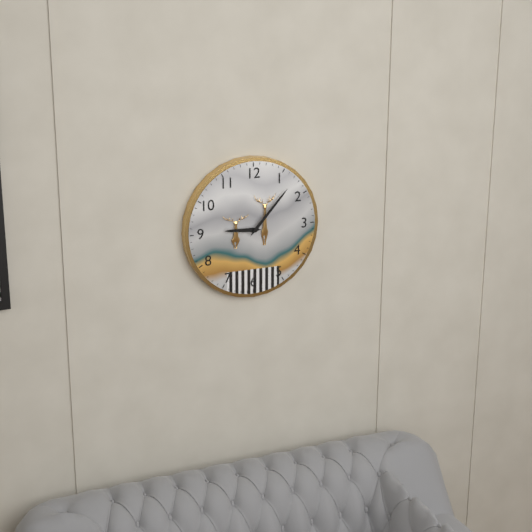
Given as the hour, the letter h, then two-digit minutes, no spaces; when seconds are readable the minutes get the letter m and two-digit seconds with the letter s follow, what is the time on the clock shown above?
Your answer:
9h07
